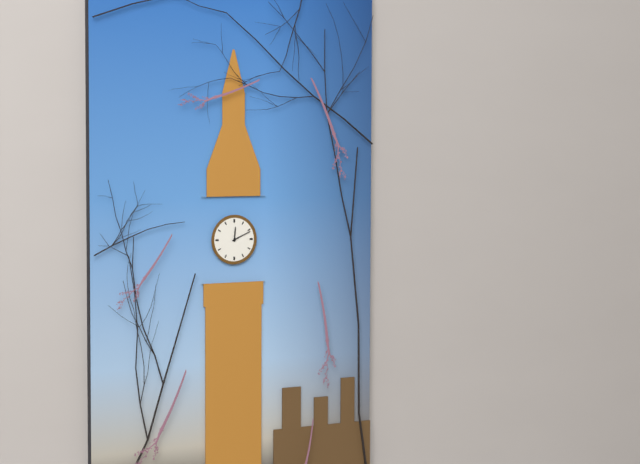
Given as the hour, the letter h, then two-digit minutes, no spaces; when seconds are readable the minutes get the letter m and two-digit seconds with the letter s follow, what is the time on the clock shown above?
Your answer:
12h11
